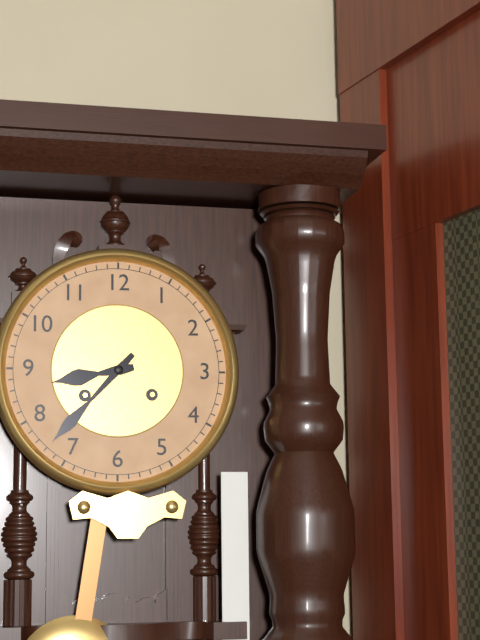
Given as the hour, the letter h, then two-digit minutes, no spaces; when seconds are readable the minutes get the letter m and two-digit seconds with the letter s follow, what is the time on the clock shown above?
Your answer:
8h37
